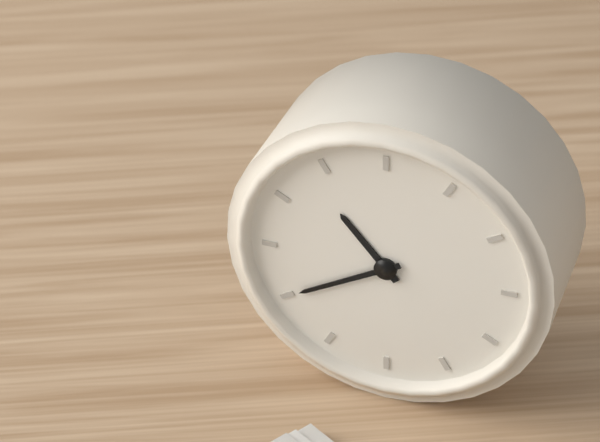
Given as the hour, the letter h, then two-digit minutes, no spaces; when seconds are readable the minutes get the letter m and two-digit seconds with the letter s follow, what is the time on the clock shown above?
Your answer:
10h40
